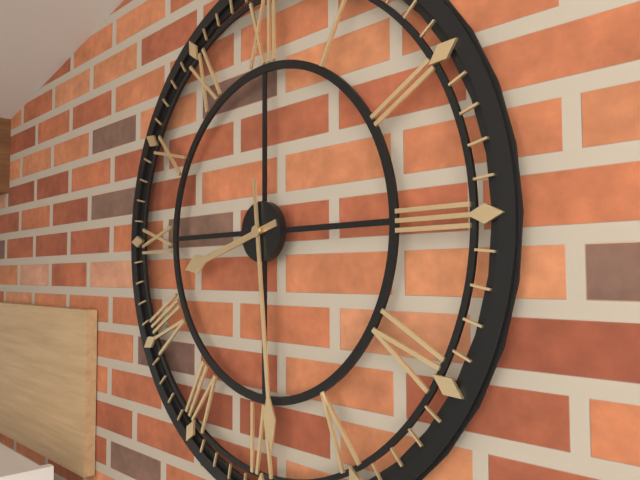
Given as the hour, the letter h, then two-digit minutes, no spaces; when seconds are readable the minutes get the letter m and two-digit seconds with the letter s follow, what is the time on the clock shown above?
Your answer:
8h29
